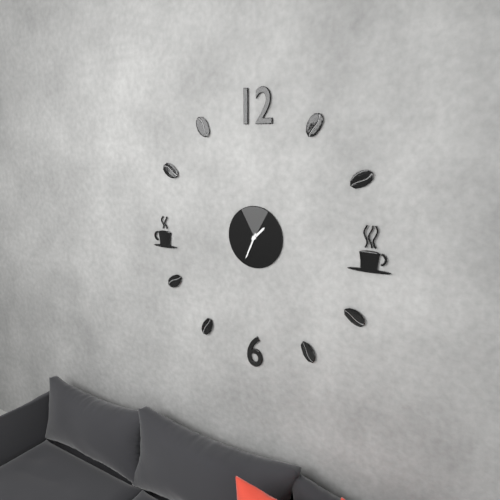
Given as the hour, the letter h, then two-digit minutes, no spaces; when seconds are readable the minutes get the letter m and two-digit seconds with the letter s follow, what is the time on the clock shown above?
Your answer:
1h34
